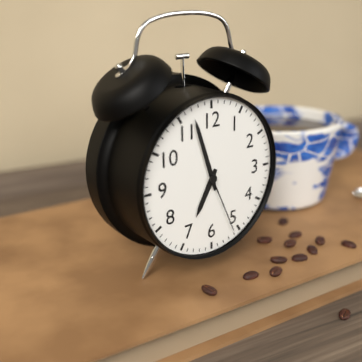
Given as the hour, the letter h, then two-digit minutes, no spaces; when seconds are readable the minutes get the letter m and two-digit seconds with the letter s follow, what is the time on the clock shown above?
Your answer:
6h57m26s
